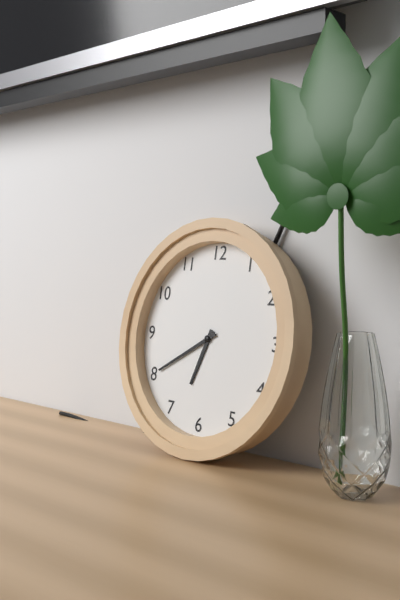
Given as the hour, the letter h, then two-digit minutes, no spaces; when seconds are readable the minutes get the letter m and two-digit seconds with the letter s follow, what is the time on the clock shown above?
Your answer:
6h40
